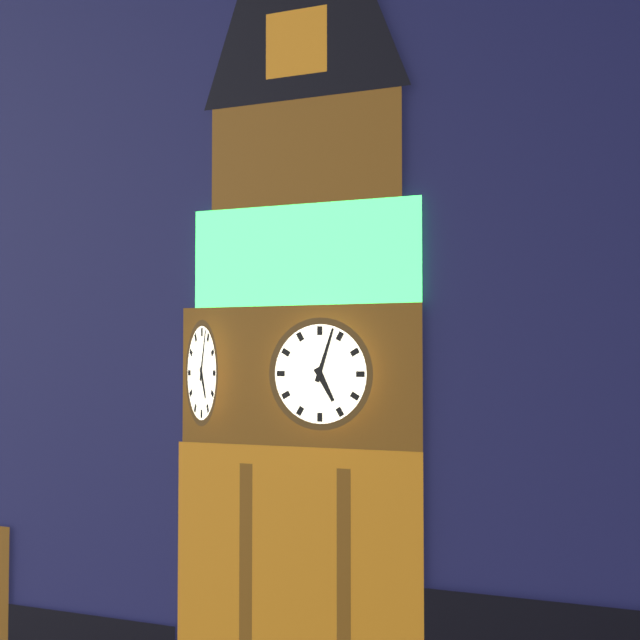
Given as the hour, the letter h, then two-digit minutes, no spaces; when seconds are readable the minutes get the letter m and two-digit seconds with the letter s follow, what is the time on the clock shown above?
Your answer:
5h03
